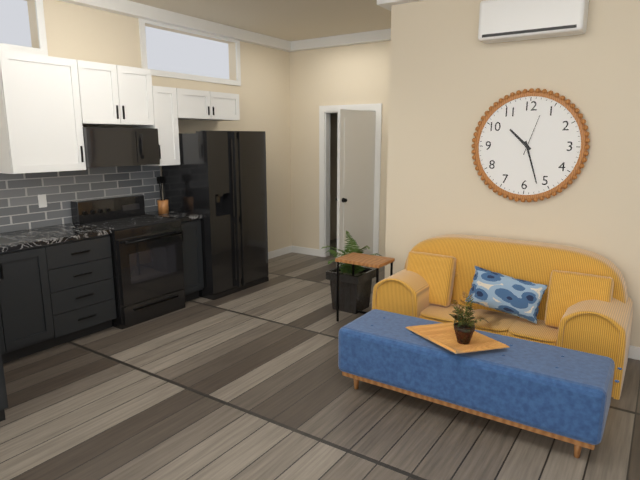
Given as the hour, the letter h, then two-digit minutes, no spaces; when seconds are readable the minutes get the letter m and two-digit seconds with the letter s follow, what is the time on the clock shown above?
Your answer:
10h27
